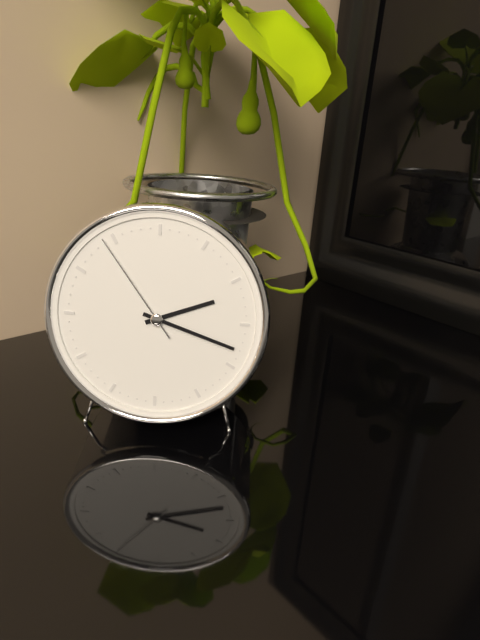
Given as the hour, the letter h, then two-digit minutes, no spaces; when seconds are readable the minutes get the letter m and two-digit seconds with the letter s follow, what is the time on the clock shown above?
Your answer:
2h18m54s
